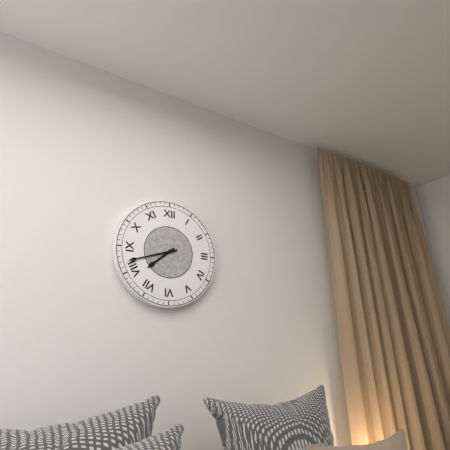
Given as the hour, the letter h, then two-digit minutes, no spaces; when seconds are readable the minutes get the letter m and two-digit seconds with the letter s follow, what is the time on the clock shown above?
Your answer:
7h42
